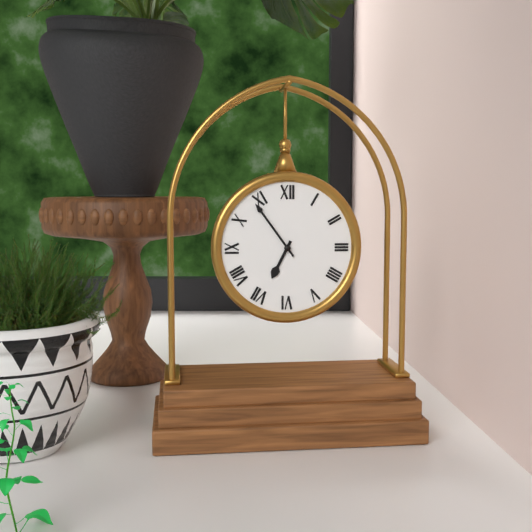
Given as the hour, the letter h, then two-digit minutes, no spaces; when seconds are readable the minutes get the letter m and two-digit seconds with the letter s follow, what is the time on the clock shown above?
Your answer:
6h54
